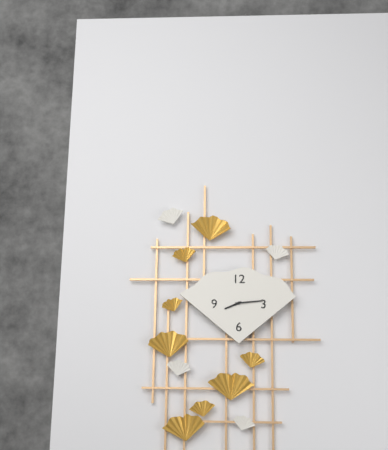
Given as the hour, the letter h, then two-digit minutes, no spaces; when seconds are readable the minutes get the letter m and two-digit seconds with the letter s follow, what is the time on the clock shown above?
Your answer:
8h14
